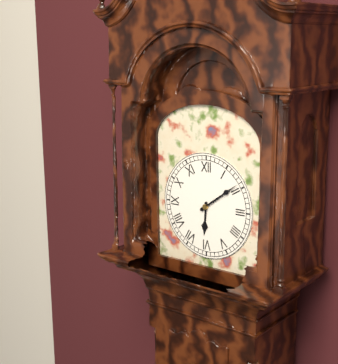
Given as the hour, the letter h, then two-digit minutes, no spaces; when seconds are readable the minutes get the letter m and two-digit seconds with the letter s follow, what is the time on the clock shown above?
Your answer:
6h09
